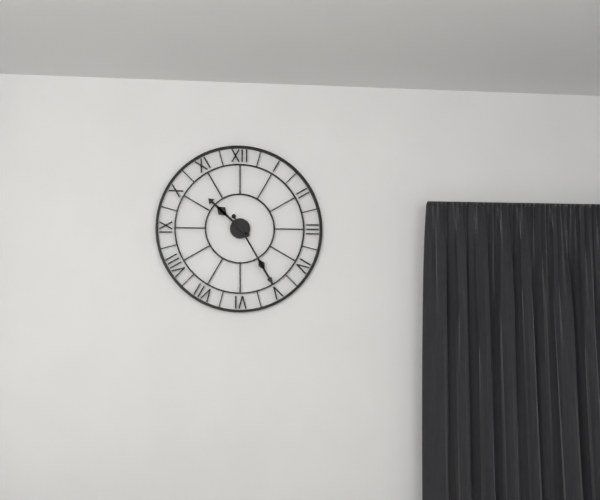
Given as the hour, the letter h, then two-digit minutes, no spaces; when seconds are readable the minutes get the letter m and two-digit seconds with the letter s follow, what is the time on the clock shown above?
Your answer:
10h25
